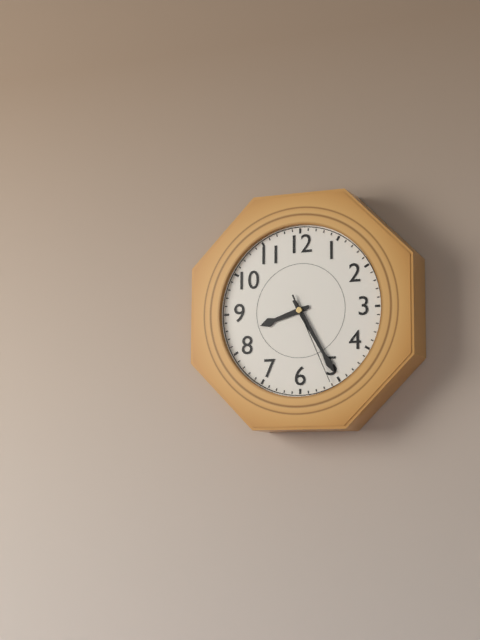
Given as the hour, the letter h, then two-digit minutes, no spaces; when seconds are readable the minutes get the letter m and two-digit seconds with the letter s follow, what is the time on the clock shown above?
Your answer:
8h25m26s
